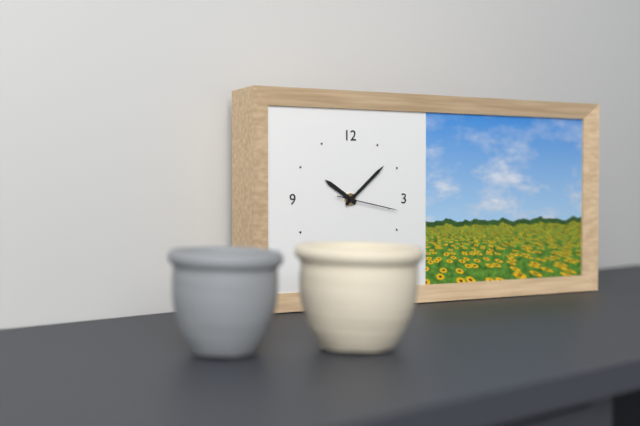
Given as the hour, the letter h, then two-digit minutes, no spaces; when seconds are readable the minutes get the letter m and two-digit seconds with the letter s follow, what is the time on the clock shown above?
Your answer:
10h08m17s
